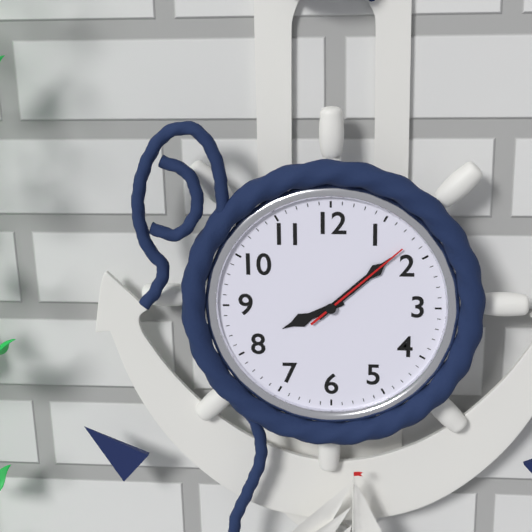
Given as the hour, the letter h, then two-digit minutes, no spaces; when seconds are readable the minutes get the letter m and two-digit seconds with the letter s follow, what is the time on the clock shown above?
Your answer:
8h08m08s
